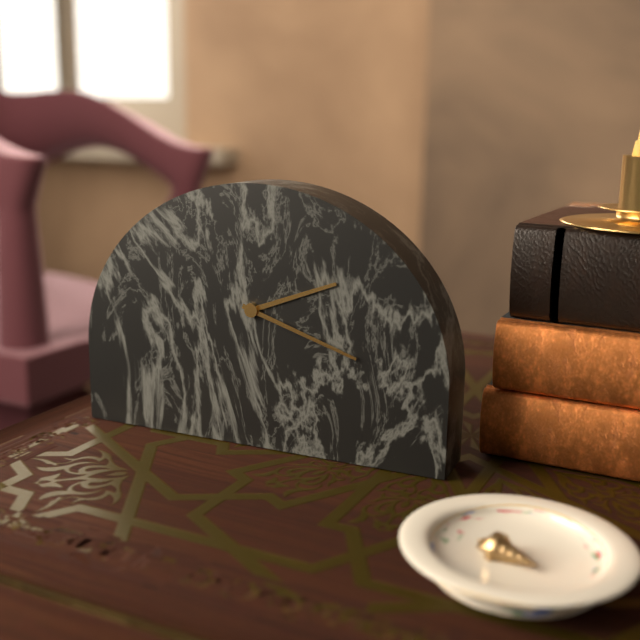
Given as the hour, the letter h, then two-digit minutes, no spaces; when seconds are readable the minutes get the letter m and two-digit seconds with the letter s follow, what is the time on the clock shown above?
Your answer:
2h18
